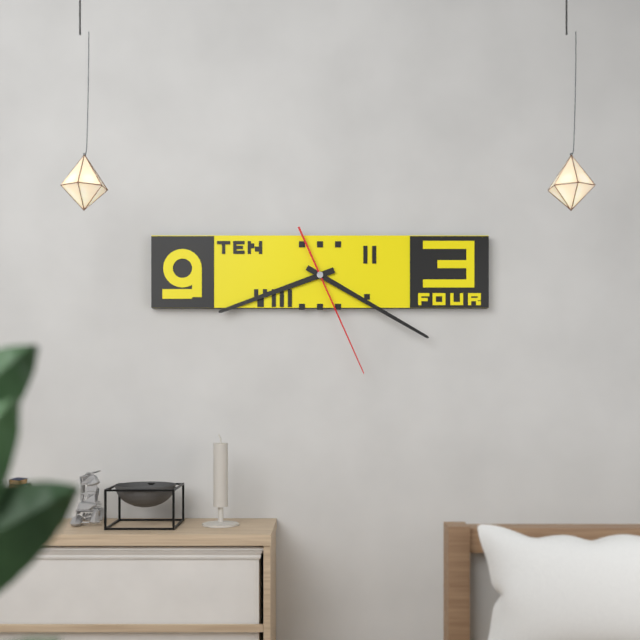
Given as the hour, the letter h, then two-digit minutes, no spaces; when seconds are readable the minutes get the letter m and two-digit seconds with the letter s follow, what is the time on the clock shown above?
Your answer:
8h20m26s
